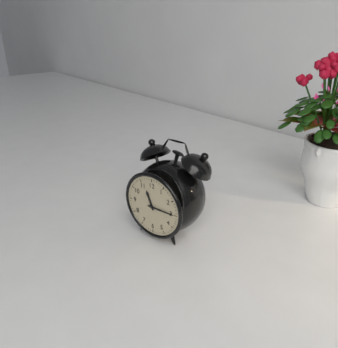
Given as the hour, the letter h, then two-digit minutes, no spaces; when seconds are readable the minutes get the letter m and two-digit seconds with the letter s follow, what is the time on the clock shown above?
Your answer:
11h15
